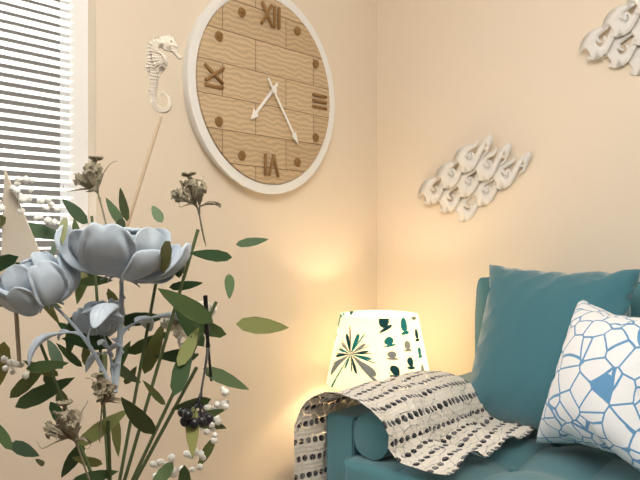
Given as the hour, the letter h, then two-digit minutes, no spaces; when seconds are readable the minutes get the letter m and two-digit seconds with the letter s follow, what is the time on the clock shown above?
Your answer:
7h24
